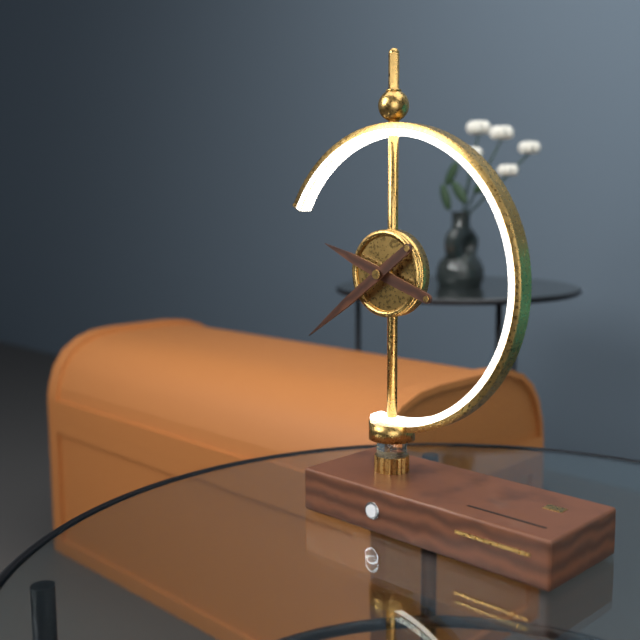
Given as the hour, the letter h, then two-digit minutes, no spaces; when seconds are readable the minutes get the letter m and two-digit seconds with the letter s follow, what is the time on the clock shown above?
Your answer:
9h39
